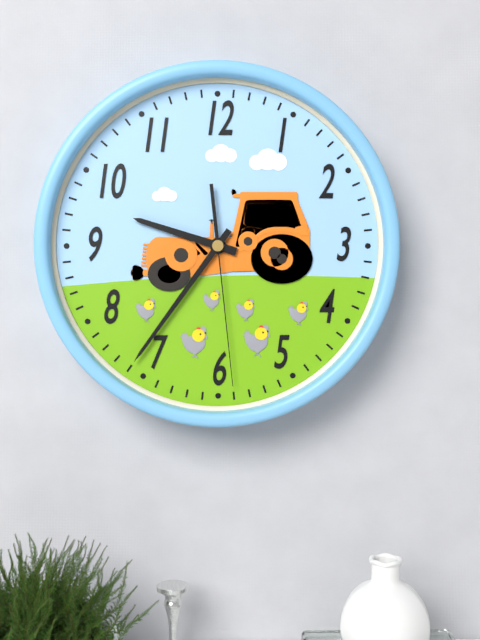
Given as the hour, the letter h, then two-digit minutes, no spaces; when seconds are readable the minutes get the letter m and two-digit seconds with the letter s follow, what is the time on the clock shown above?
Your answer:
9h36m29s
